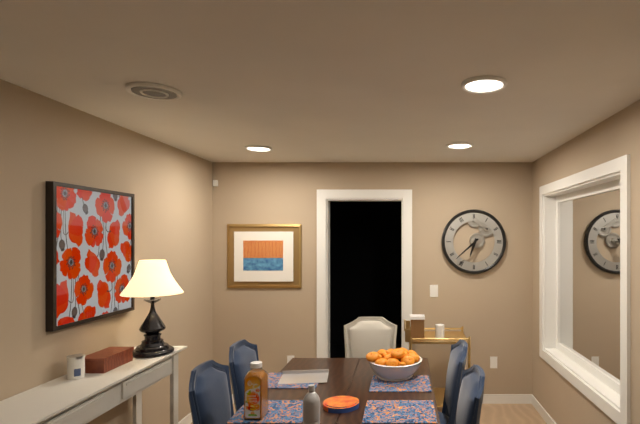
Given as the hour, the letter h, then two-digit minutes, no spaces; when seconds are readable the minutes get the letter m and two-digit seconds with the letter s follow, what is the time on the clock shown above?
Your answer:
6h38
